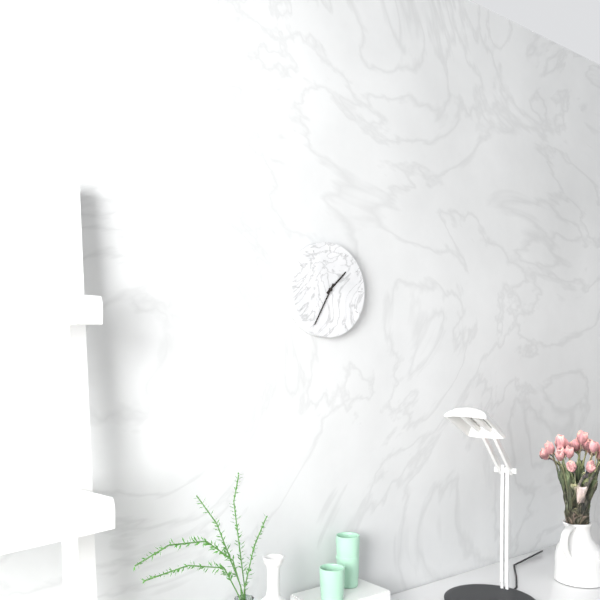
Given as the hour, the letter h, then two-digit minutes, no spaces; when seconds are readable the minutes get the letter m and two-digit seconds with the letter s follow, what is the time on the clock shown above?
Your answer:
1h35
